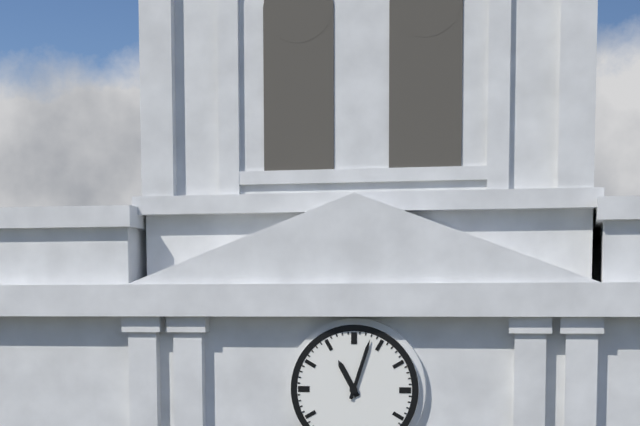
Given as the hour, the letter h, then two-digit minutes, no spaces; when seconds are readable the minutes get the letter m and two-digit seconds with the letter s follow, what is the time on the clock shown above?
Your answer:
11h03
